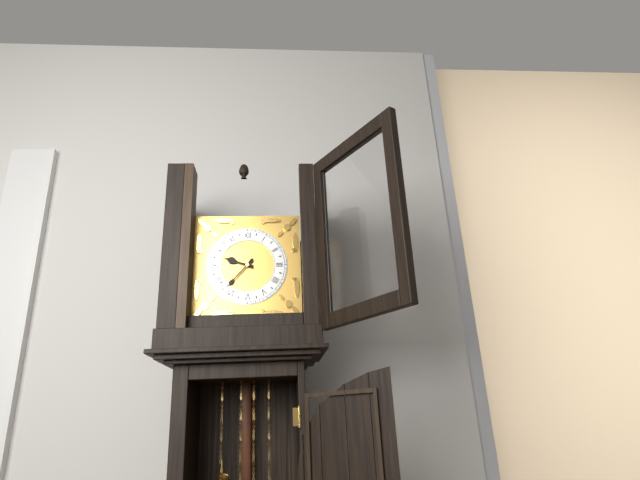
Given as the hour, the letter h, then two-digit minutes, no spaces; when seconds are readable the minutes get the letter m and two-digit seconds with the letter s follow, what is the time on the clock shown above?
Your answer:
9h37
